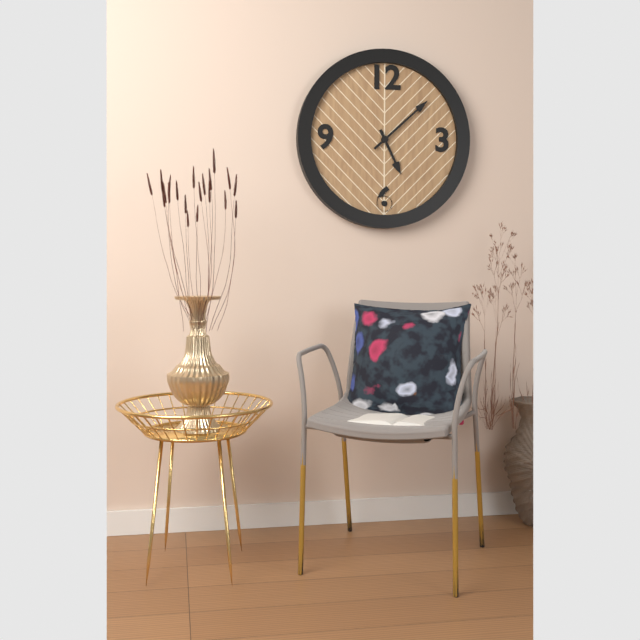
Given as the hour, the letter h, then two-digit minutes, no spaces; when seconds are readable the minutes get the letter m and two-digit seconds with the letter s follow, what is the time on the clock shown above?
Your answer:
5h08
